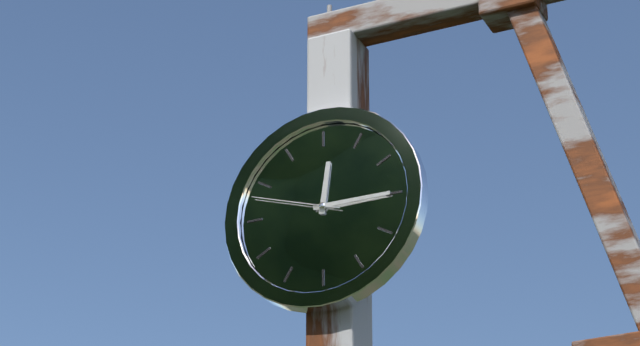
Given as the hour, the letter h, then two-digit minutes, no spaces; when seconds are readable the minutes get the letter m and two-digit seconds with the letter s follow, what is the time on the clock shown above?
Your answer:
12h15m48s
